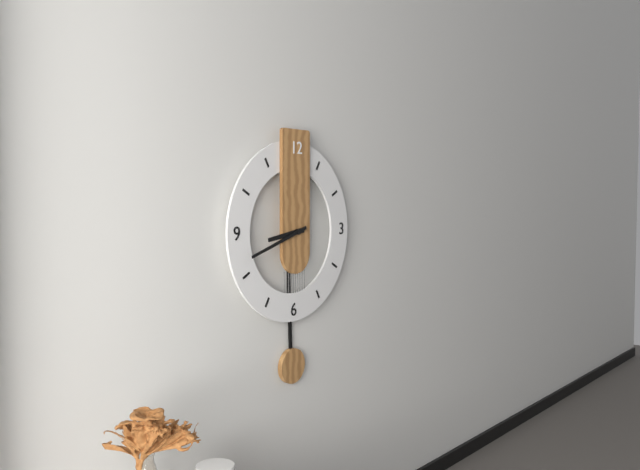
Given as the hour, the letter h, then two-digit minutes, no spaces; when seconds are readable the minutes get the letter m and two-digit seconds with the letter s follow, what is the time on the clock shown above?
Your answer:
8h42
